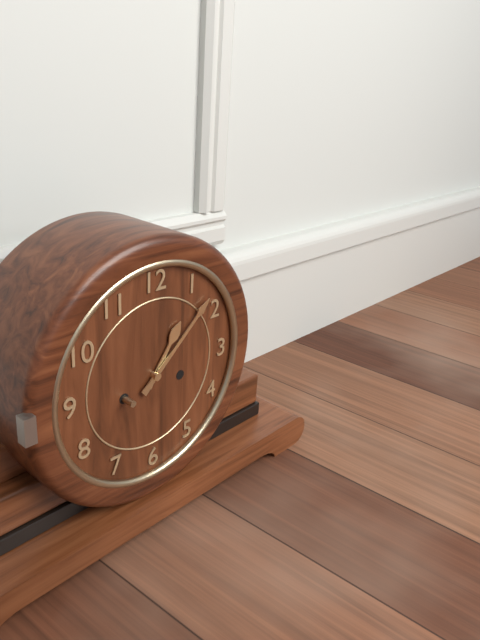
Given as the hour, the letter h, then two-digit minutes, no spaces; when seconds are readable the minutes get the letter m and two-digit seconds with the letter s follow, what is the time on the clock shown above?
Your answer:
1h08
